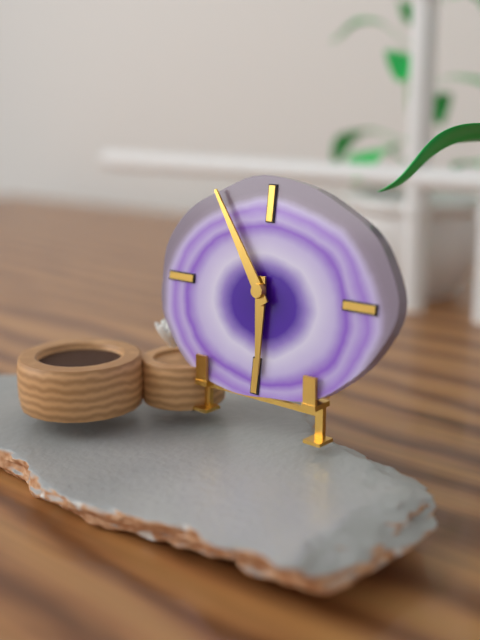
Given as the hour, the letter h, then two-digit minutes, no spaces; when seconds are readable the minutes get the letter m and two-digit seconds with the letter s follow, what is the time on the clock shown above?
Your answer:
5h54
